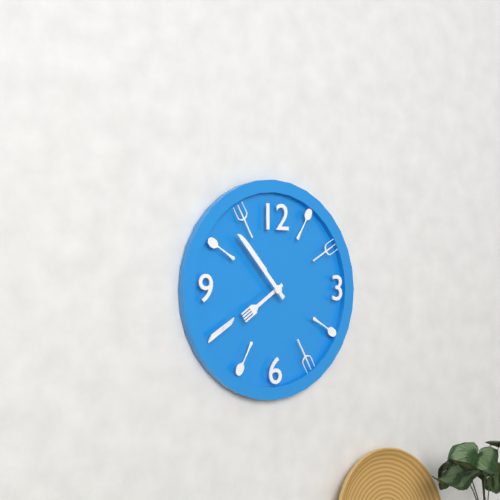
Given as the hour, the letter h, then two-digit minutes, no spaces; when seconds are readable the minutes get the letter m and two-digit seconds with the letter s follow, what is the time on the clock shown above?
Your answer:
7h53
